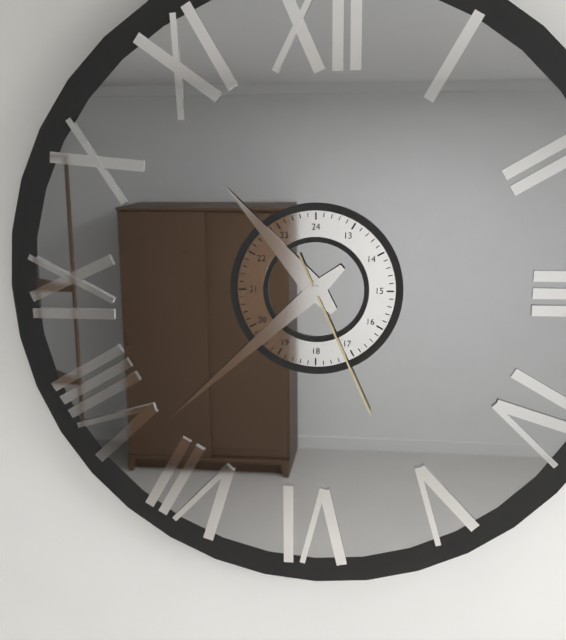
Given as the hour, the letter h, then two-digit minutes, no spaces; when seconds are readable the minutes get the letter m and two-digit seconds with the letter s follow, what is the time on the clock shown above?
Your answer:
10h38m26s
